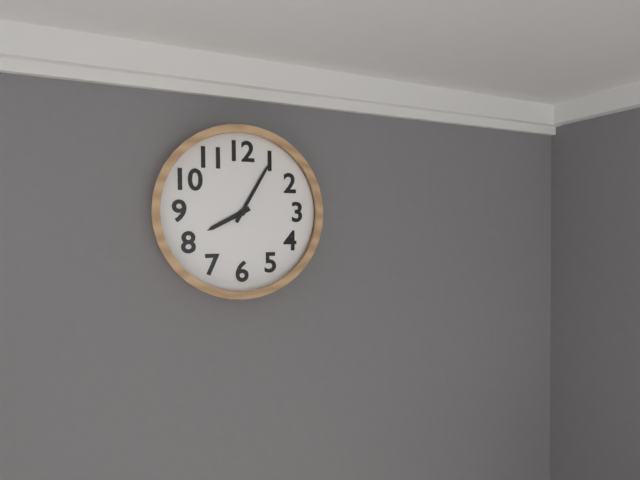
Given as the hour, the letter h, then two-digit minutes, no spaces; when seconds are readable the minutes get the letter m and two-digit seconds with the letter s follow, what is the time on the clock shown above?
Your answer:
8h05
